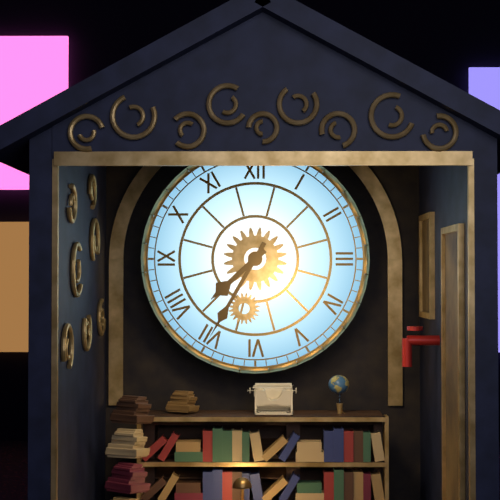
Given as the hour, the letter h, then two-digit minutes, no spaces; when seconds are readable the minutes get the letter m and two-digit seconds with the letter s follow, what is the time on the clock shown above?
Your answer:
7h35
